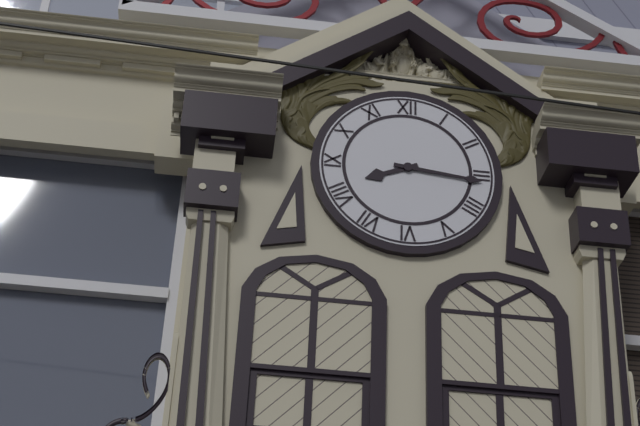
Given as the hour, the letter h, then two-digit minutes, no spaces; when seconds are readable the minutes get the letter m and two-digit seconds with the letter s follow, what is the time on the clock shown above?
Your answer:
8h16
